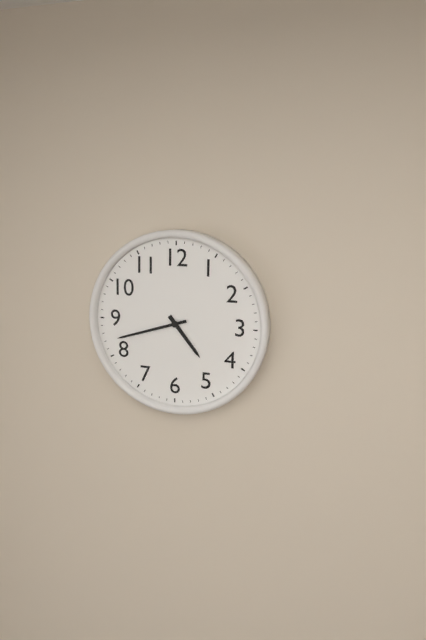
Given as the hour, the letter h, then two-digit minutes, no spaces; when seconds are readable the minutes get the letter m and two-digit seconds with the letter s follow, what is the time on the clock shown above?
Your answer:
4h42
